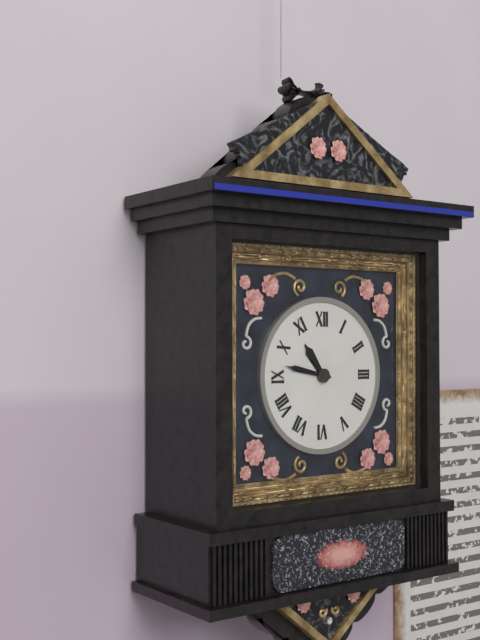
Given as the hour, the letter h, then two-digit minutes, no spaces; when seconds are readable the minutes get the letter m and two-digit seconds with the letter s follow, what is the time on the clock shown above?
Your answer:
10h47
